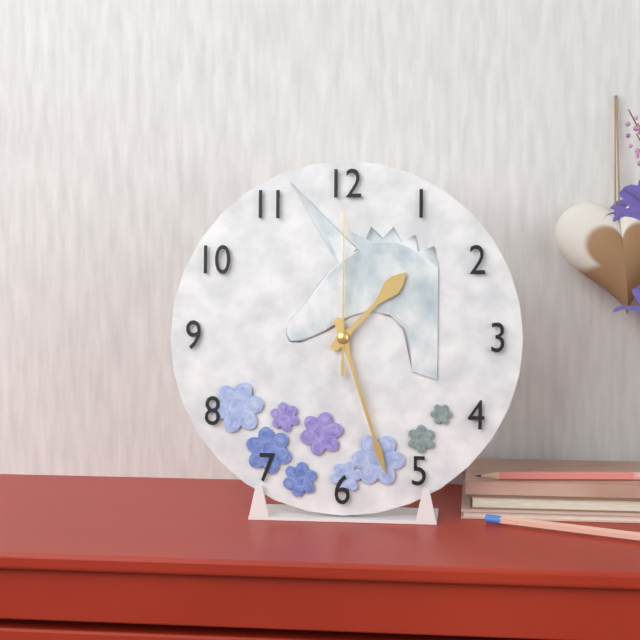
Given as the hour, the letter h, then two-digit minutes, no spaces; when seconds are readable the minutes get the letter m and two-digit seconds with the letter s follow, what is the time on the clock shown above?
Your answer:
1h27m00s
